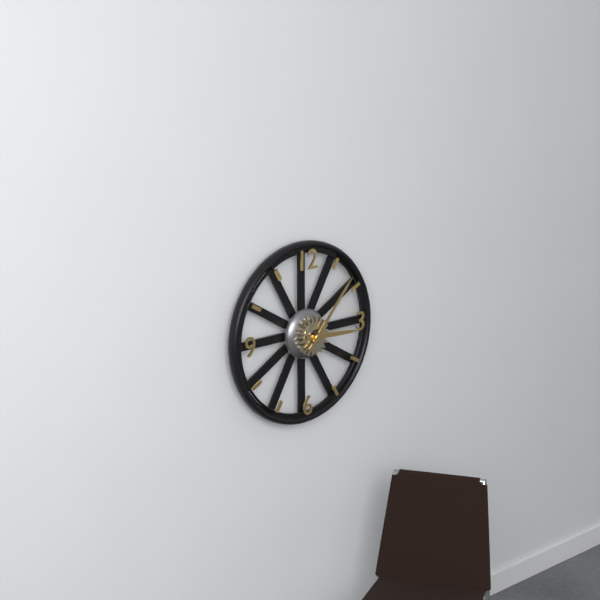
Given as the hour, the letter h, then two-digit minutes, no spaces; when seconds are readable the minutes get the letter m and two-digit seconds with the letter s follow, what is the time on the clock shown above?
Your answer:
3h07
